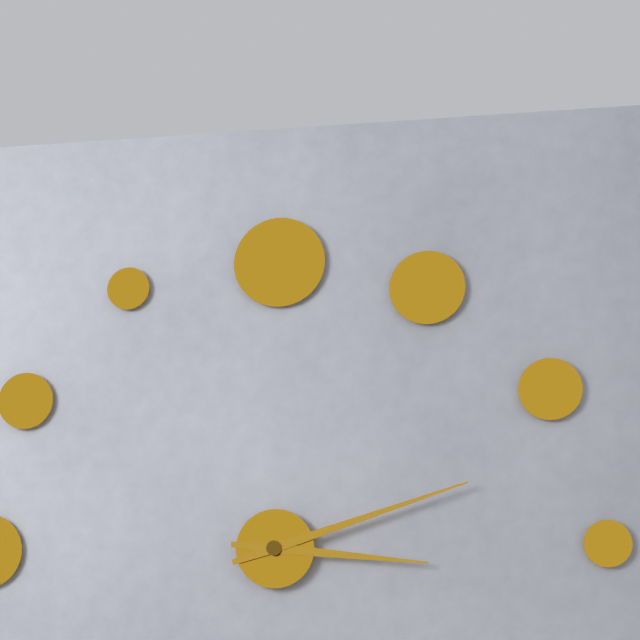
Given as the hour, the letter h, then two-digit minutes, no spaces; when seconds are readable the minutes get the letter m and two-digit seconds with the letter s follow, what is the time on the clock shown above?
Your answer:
3h12
